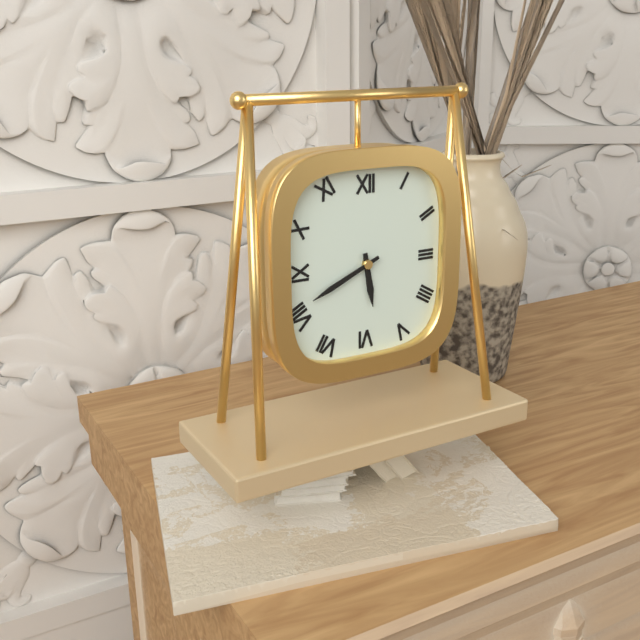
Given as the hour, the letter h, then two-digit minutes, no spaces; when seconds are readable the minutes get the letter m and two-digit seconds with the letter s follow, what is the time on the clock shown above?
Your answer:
5h41
